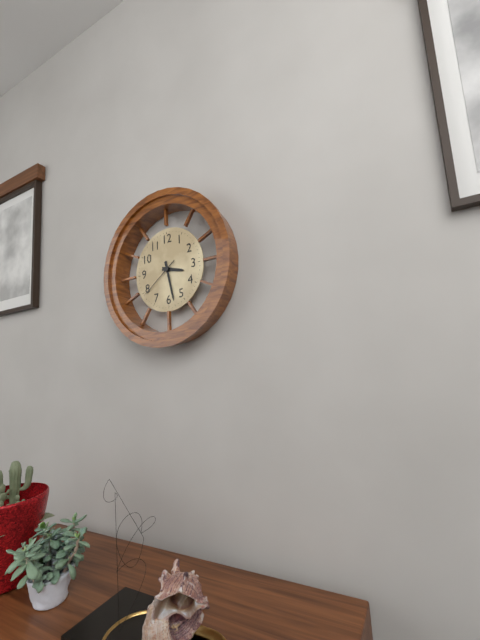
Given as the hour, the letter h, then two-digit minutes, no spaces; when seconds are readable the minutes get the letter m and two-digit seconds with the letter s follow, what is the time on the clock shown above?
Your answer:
3h28
